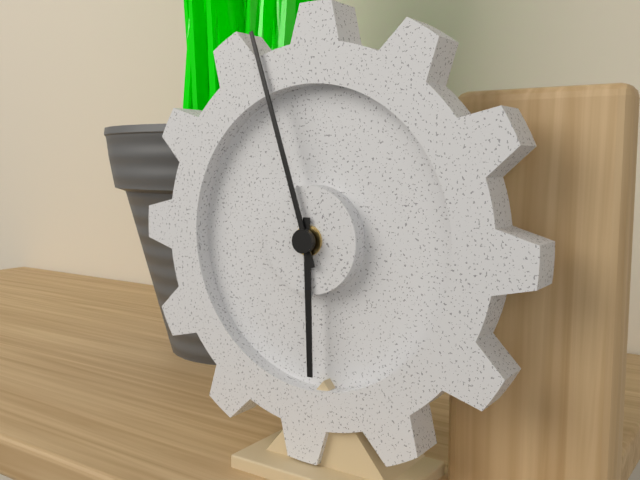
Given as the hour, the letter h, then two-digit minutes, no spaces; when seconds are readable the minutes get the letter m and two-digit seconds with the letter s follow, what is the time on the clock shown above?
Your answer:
5h57
